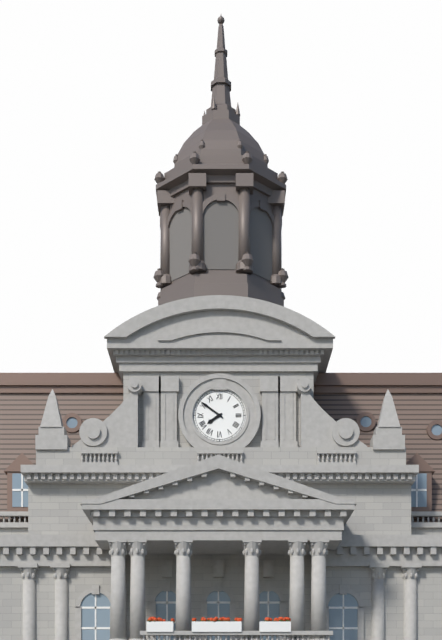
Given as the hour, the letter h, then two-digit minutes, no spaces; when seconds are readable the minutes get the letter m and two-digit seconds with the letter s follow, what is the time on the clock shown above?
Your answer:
7h51
